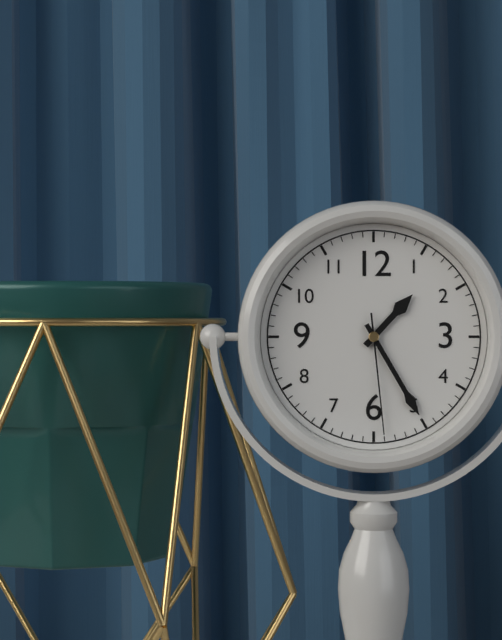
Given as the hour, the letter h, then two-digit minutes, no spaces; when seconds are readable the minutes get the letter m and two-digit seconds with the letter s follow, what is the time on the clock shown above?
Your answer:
1h25m29s
